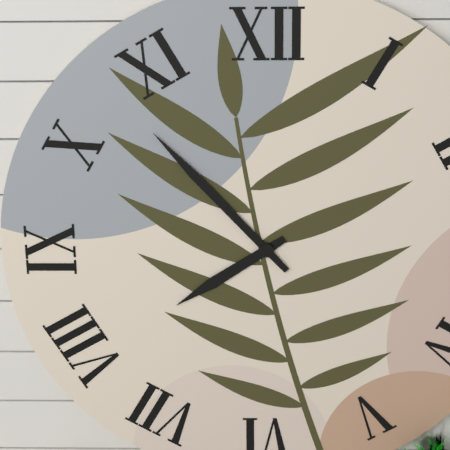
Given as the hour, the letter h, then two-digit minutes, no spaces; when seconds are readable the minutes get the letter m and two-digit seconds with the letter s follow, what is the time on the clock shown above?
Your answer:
7h53
